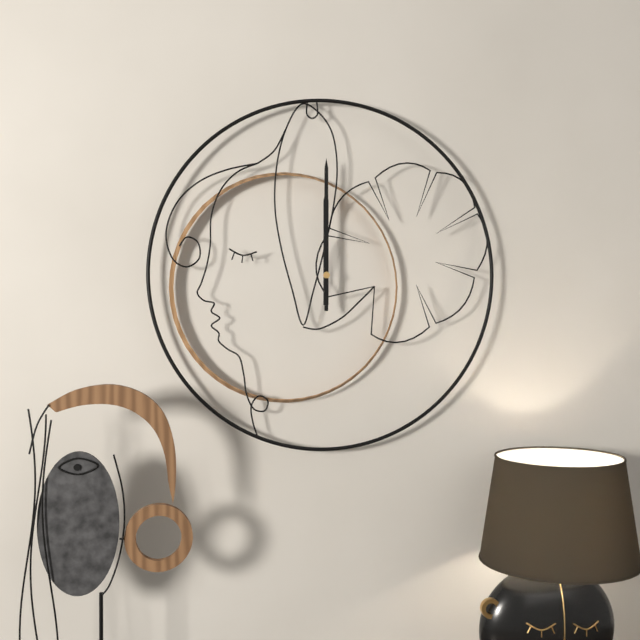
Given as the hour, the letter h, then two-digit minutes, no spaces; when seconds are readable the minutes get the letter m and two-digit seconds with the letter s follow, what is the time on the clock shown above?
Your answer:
12h00
